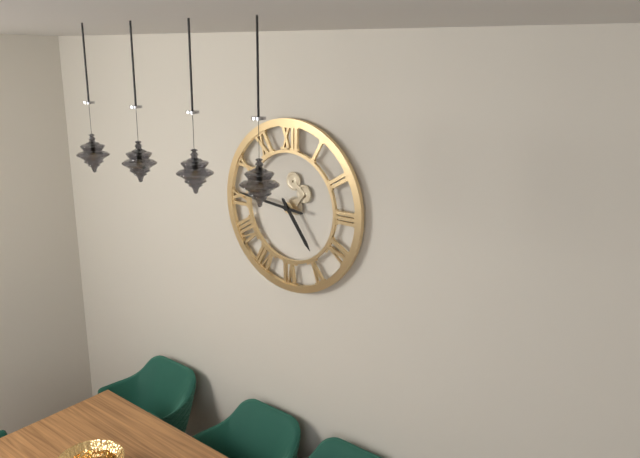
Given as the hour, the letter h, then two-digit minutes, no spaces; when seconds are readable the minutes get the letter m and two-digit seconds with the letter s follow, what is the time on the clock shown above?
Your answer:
4h46
